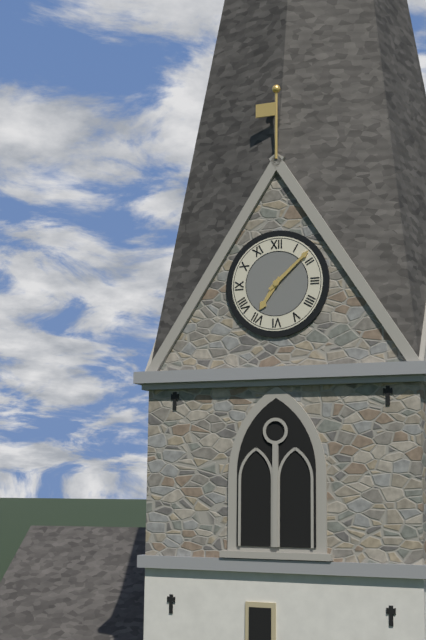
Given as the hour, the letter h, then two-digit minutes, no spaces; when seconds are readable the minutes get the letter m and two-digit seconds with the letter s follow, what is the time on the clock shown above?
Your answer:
7h08
